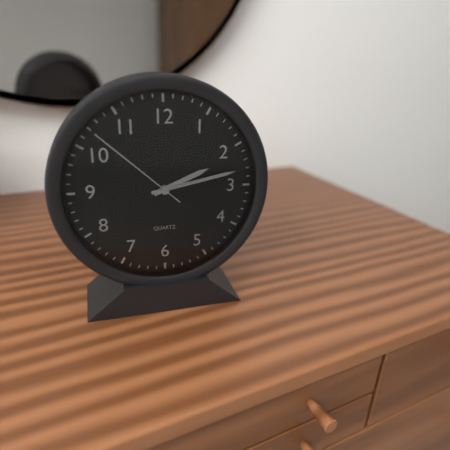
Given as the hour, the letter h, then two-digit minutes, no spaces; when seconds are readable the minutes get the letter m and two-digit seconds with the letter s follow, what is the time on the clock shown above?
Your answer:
2h13m52s
